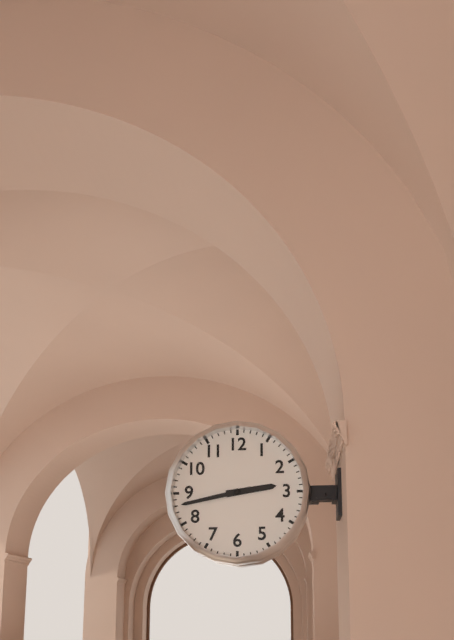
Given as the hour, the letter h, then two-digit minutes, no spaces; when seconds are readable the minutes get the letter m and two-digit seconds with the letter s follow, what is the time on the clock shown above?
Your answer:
2h43
